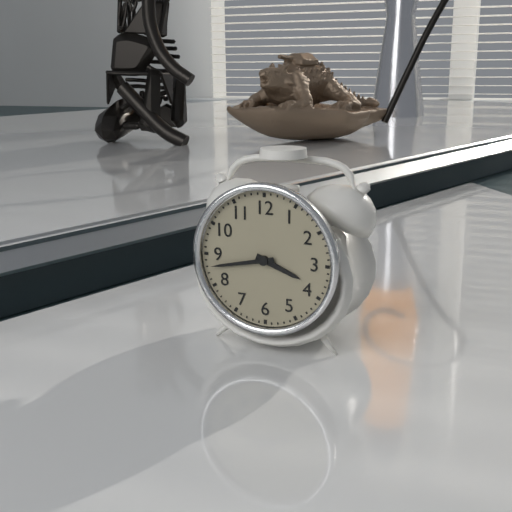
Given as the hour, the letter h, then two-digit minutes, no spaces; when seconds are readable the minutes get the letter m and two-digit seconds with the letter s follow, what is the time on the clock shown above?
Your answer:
3h43
